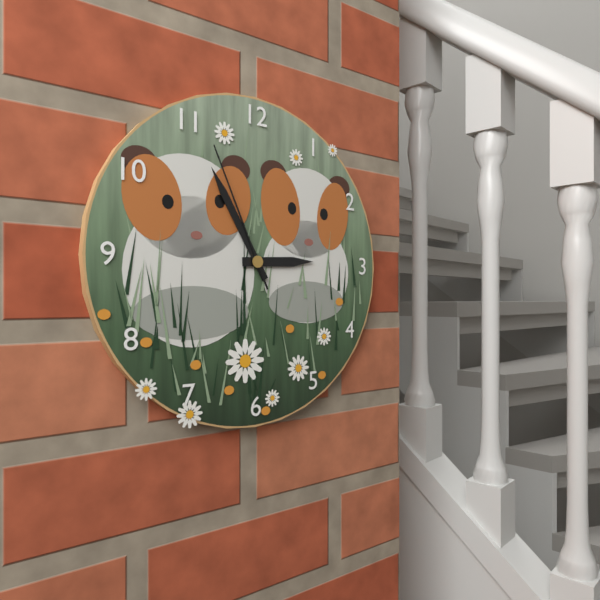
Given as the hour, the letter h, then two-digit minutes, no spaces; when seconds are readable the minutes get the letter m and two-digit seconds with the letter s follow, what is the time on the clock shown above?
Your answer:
2h55m56s
